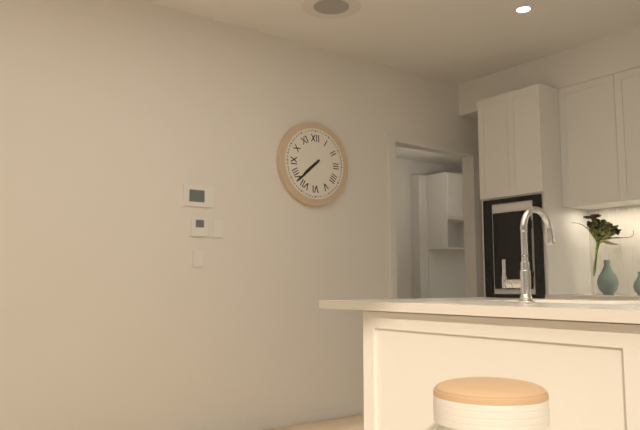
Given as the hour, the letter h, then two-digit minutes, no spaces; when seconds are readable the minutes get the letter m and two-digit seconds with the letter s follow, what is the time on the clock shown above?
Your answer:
7h38
